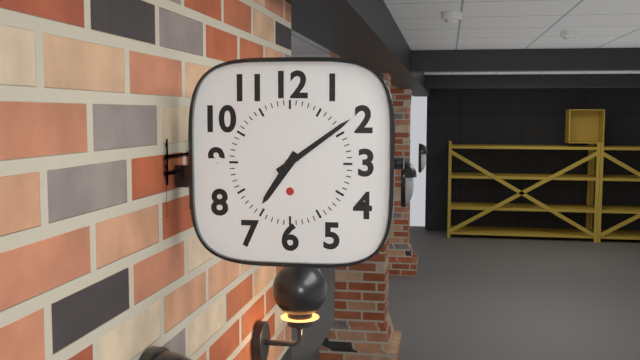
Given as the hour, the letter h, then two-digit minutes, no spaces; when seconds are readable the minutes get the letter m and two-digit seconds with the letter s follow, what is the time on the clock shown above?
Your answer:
7h09
